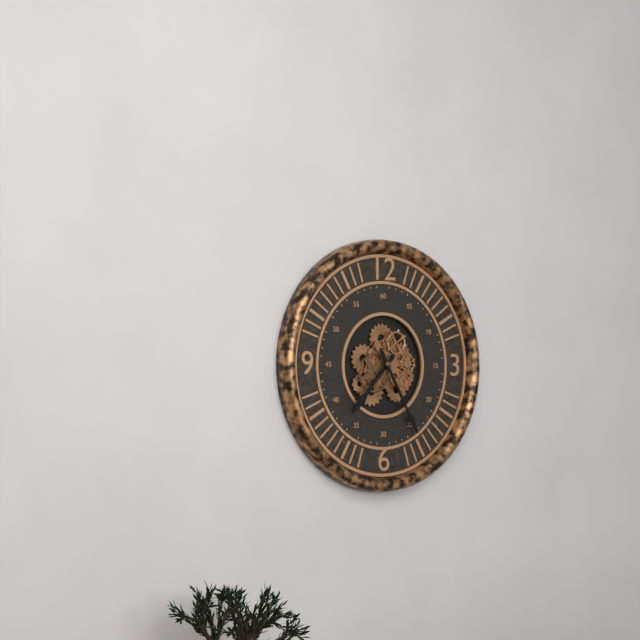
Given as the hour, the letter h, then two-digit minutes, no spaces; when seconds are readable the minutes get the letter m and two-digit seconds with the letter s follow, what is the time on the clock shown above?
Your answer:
7h25
